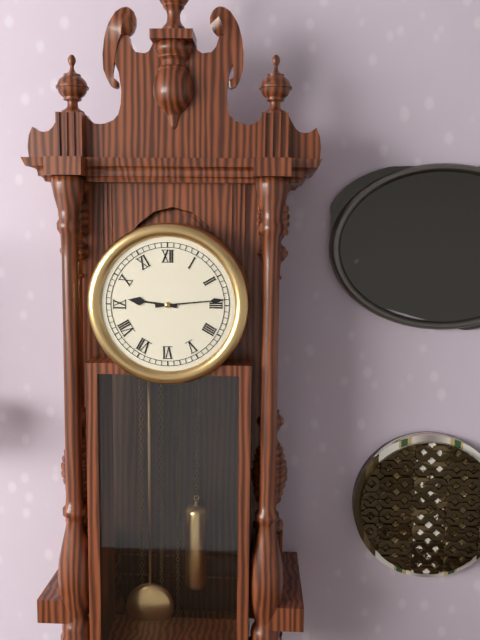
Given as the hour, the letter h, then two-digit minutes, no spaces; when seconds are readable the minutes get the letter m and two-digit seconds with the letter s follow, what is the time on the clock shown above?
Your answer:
9h14
